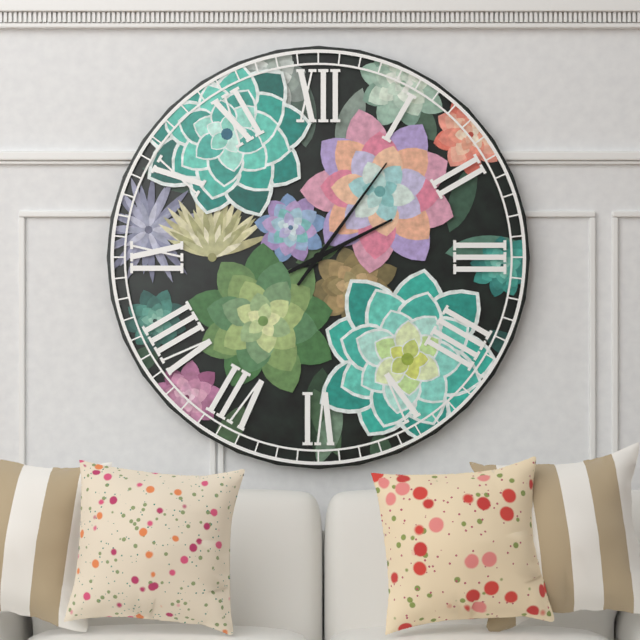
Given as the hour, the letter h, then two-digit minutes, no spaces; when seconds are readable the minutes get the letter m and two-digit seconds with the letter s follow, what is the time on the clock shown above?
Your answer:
2h06
